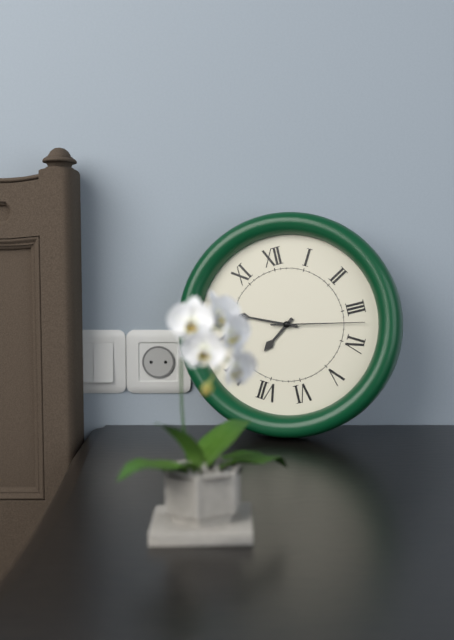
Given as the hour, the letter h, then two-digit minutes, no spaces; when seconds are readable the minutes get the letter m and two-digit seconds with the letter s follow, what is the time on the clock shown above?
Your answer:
7h49m17s
